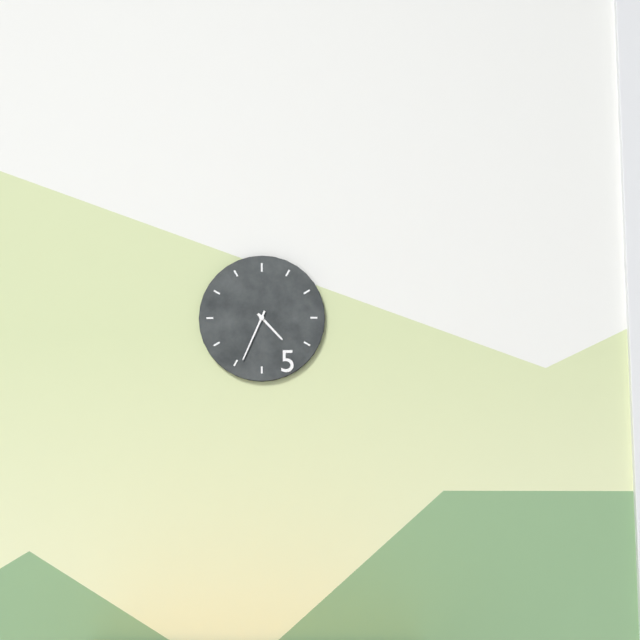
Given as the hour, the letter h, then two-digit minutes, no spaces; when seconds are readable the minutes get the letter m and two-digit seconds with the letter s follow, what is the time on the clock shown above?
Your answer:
4h34
